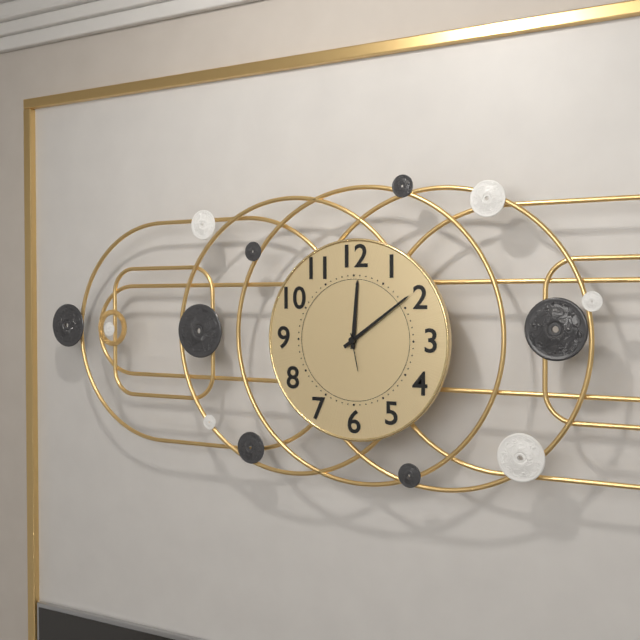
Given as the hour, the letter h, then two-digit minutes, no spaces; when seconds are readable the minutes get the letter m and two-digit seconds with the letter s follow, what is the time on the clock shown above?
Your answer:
12h09
